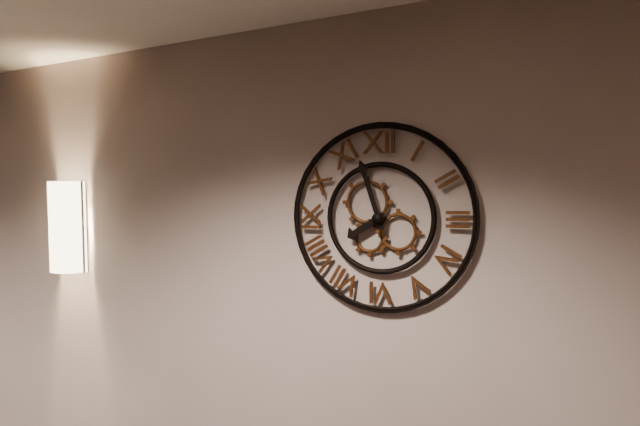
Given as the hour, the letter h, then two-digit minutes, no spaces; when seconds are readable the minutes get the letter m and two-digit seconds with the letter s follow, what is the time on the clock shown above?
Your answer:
7h57
